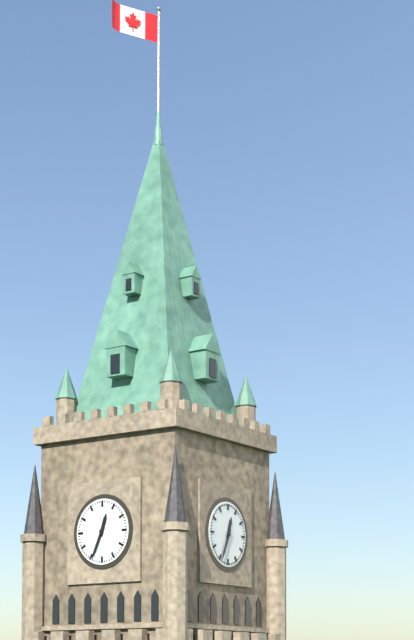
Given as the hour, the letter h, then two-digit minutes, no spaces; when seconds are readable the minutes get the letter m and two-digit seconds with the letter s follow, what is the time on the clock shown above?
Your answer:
12h34
